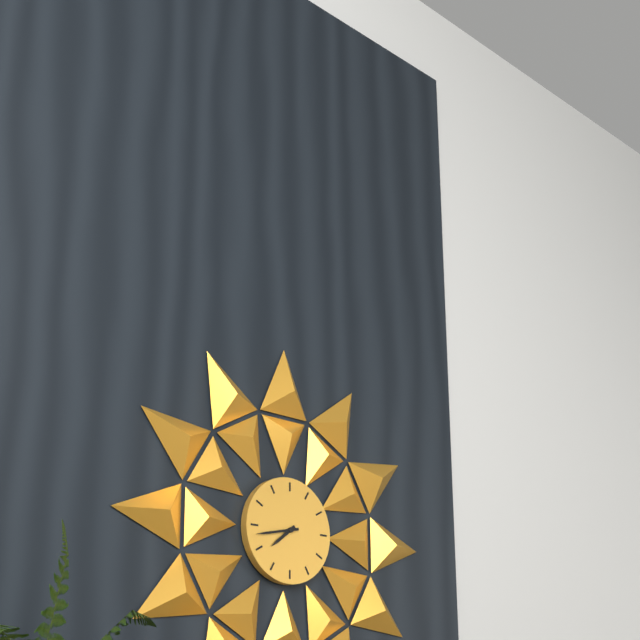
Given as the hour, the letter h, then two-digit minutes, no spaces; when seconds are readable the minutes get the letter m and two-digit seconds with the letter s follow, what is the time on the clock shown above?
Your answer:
7h43
